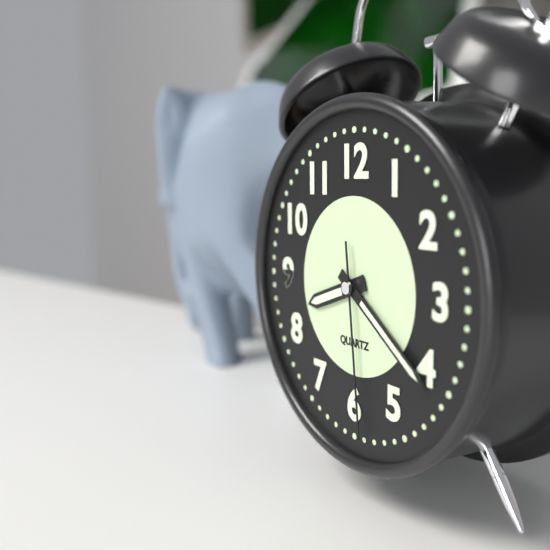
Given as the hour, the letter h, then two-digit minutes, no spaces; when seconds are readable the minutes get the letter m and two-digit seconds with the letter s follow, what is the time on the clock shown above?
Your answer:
8h21m29s
